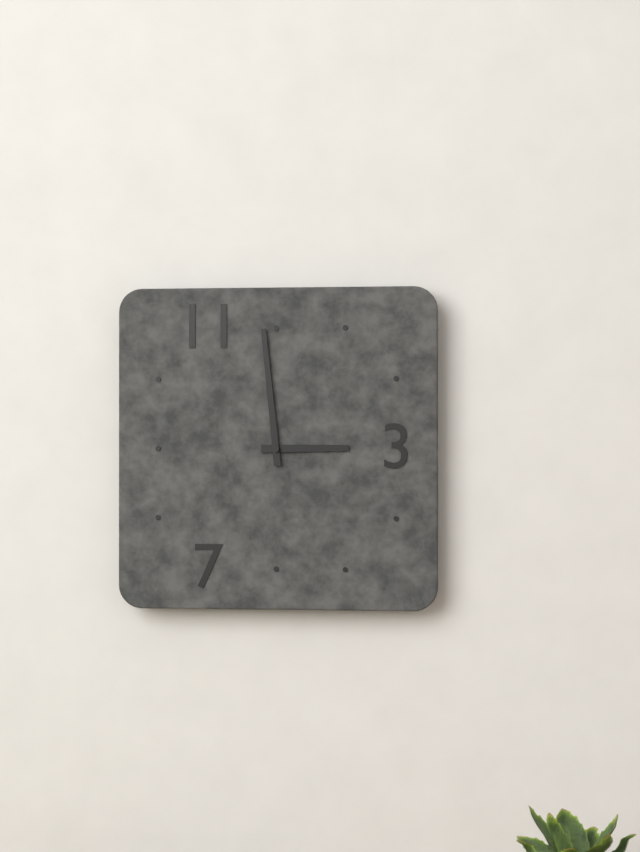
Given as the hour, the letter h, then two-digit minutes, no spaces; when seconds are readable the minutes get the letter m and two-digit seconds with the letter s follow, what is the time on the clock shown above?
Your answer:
2h59
